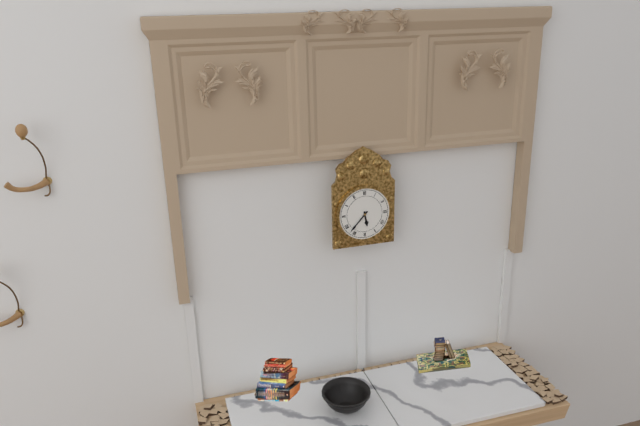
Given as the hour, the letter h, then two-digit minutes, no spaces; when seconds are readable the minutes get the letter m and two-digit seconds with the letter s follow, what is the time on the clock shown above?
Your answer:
5h37
